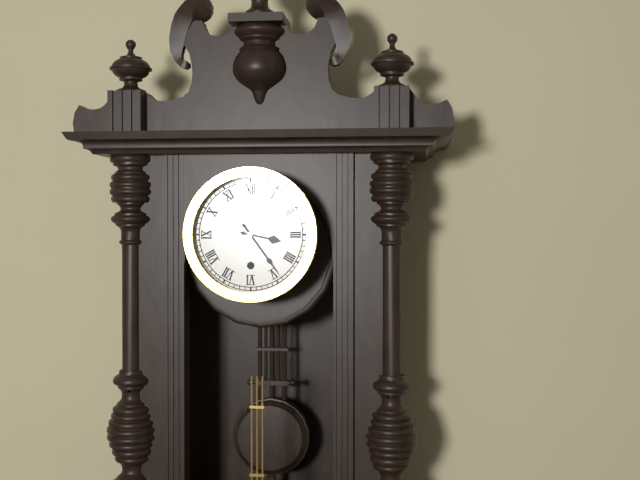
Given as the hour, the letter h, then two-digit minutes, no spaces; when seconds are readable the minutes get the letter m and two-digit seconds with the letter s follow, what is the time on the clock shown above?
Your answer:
3h24
